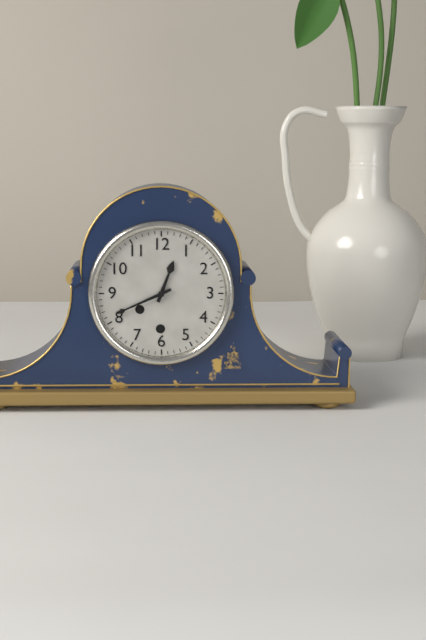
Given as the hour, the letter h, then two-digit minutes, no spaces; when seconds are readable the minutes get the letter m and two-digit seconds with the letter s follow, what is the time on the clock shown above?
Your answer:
12h41
